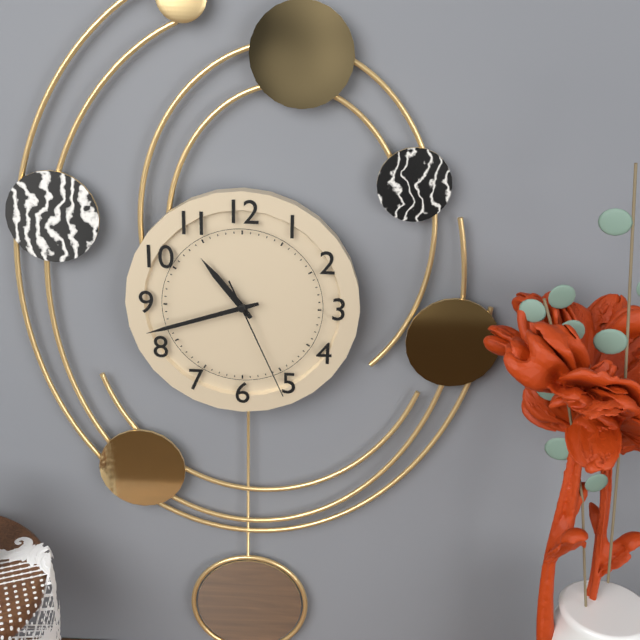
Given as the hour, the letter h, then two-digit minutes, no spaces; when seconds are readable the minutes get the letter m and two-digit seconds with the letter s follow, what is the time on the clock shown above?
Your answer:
10h42m26s
